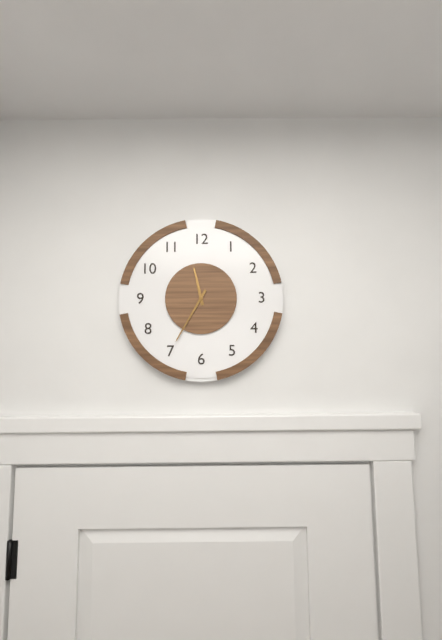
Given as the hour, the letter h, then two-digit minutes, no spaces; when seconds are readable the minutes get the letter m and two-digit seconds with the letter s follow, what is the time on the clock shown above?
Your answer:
11h35
